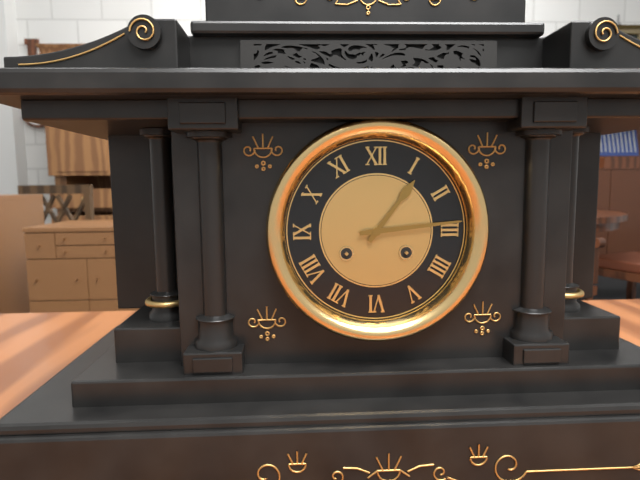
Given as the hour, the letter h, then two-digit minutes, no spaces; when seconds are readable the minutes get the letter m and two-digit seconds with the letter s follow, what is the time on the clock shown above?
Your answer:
1h14
